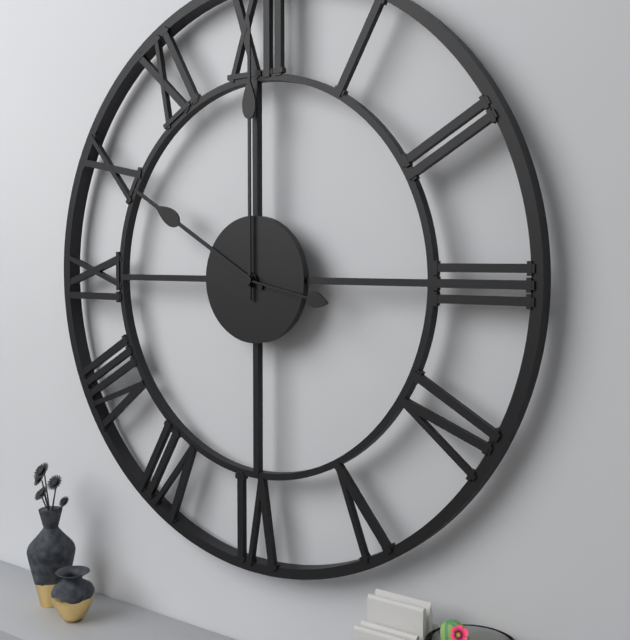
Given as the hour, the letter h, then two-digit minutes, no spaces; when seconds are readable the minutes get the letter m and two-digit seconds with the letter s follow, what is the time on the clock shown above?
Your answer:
10h00m17s
